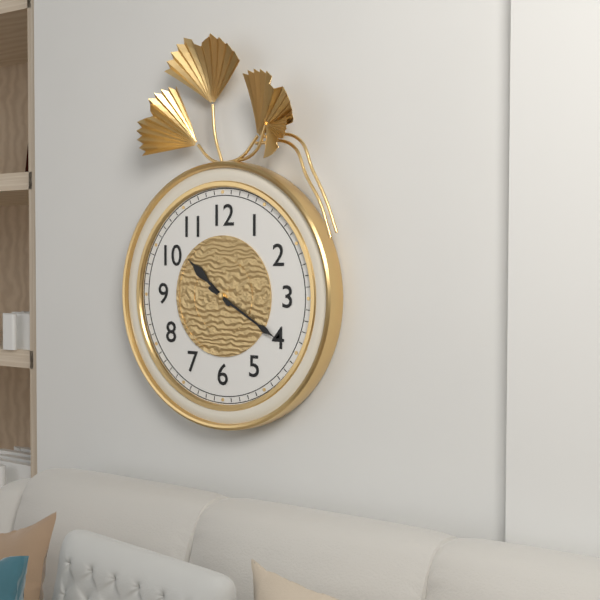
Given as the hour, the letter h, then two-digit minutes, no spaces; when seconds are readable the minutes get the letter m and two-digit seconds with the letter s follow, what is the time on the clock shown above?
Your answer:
10h20
